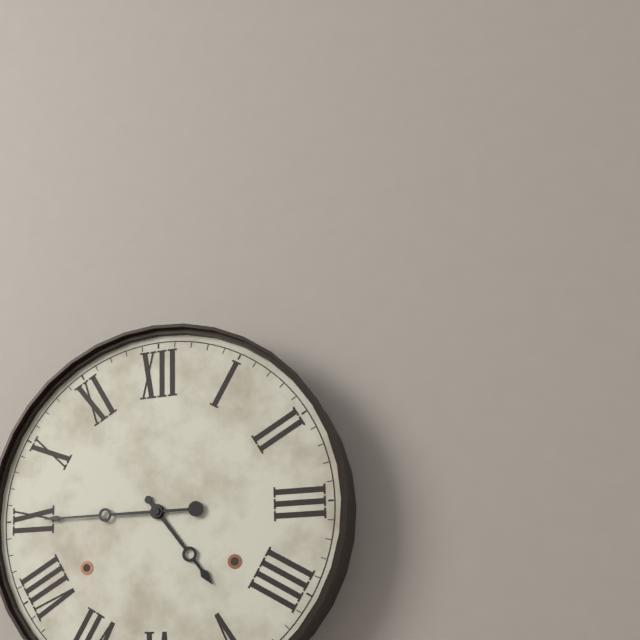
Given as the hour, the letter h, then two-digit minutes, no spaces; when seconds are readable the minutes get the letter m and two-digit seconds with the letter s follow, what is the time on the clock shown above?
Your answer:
4h45
